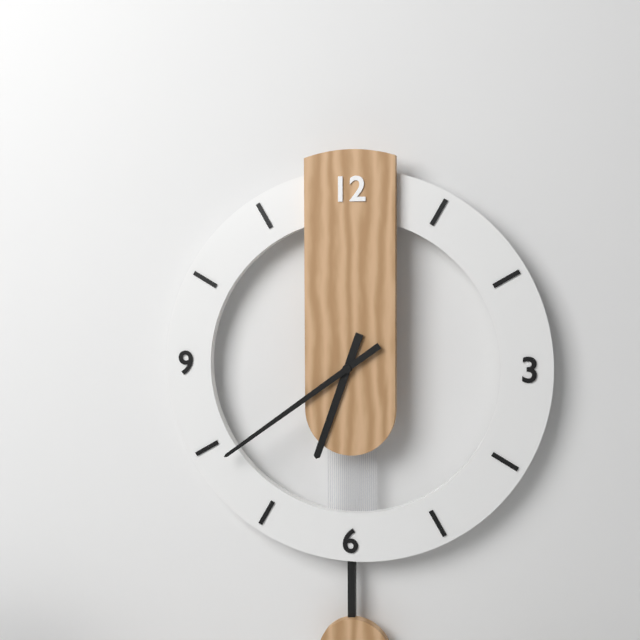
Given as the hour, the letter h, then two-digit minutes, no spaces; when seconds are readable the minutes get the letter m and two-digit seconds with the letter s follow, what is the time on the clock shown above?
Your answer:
6h39
